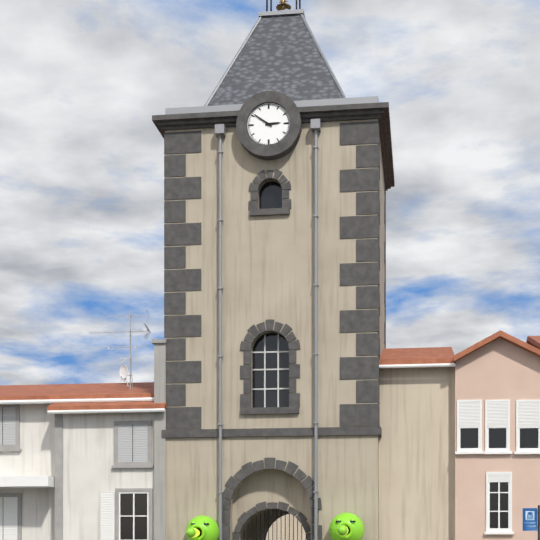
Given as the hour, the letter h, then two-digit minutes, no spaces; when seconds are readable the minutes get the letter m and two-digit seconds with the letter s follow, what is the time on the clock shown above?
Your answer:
2h51
